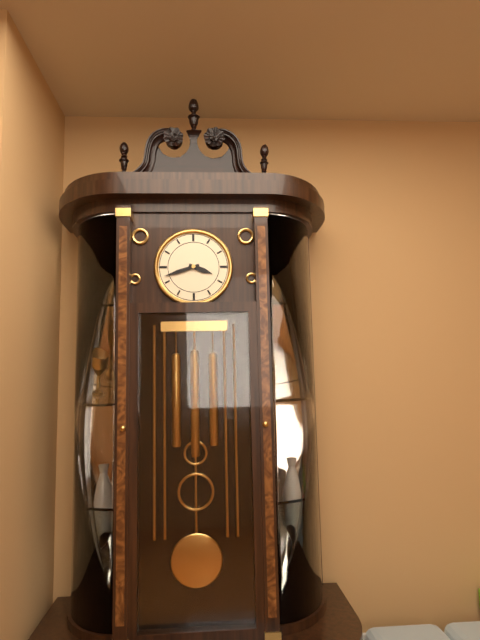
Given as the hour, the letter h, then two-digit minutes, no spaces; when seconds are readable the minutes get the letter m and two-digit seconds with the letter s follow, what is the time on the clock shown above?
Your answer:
3h42
